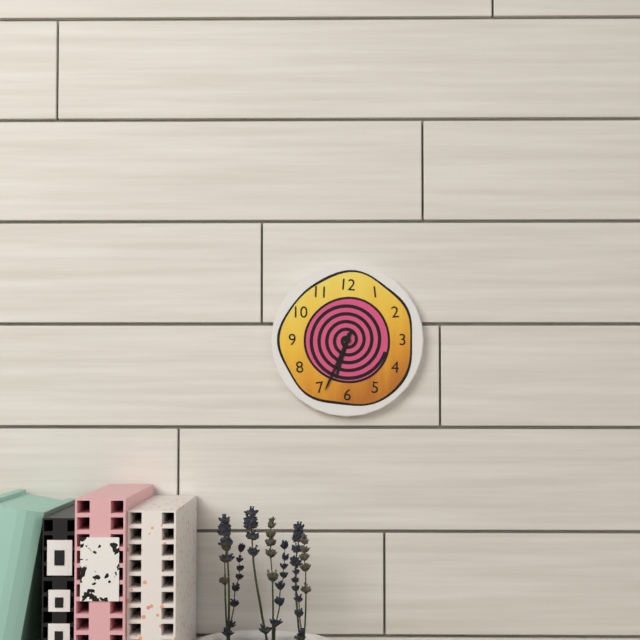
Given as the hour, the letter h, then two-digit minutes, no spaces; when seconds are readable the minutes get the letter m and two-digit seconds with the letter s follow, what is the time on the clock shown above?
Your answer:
6h34
